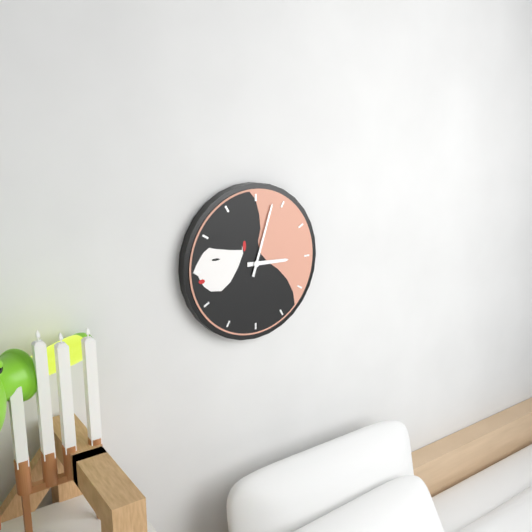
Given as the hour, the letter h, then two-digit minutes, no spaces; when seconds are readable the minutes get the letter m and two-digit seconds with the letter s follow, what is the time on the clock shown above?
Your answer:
3h03
